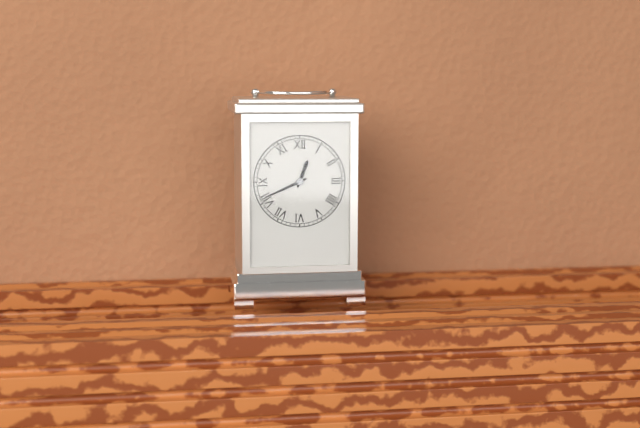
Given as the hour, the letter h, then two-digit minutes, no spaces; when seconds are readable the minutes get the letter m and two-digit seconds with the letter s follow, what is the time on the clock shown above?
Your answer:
12h41
